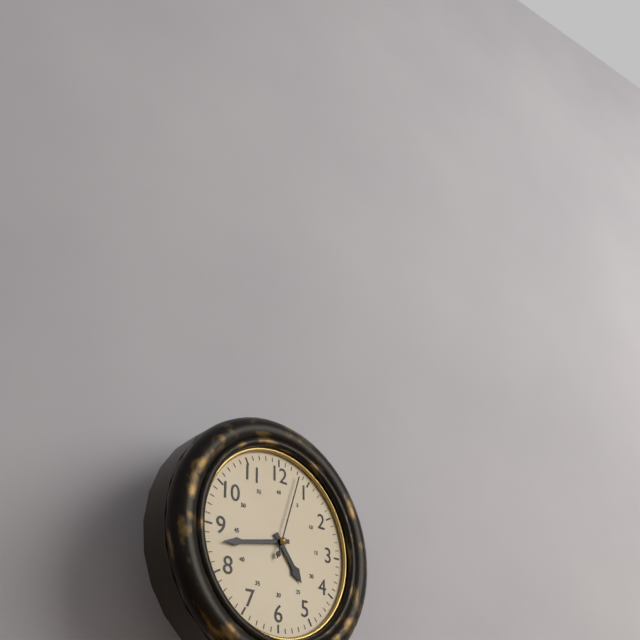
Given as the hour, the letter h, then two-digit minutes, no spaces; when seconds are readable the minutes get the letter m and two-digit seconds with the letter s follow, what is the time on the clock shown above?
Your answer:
4h43m03s
